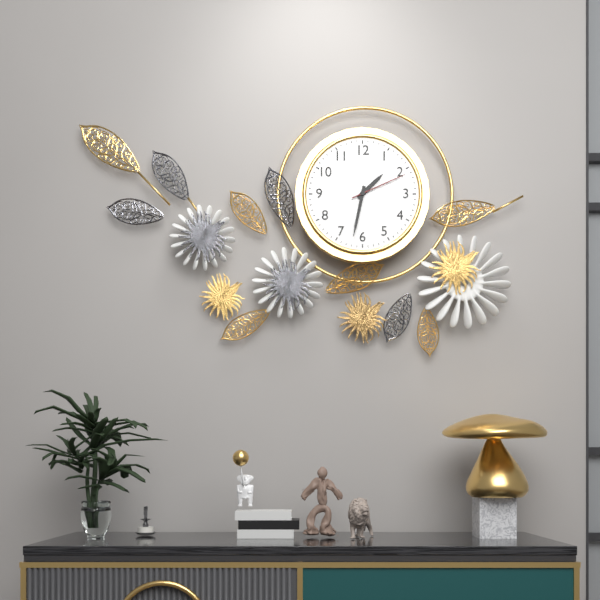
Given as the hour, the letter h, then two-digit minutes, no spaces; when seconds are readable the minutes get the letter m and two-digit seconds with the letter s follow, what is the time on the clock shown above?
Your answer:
1h32m11s
